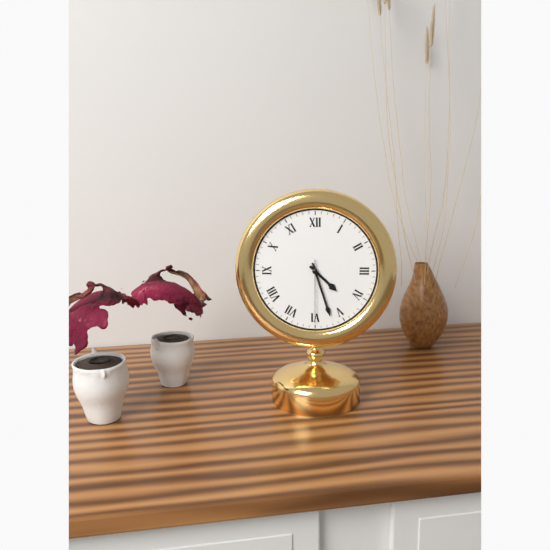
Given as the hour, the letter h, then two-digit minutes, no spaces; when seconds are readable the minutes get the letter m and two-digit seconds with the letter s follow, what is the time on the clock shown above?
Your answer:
4h27m30s
